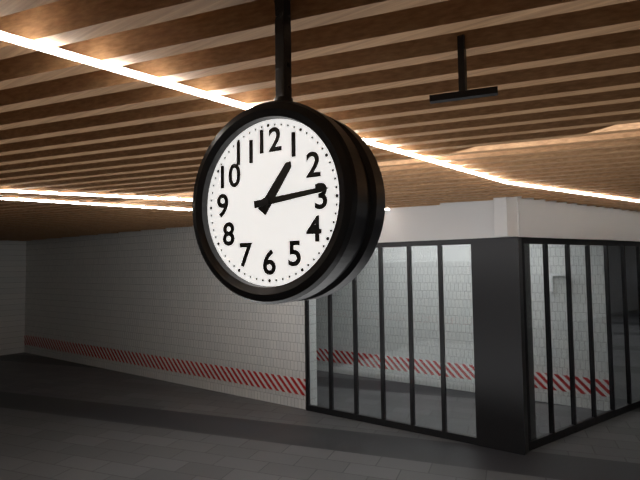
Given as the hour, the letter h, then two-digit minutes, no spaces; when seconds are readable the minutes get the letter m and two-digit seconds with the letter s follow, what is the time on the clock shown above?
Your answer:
1h14
